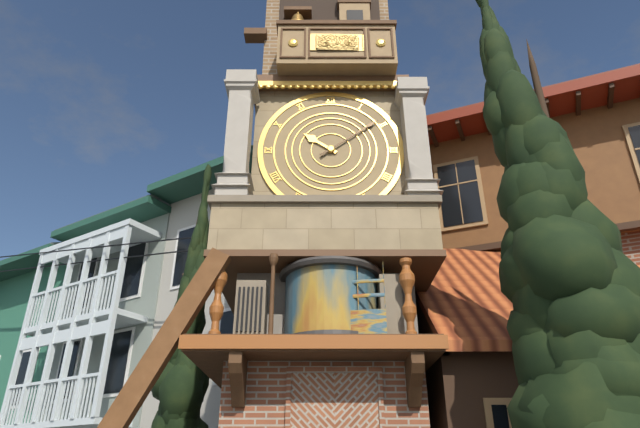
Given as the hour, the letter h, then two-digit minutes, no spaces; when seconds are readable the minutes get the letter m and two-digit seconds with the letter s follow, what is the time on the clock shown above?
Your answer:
10h09
